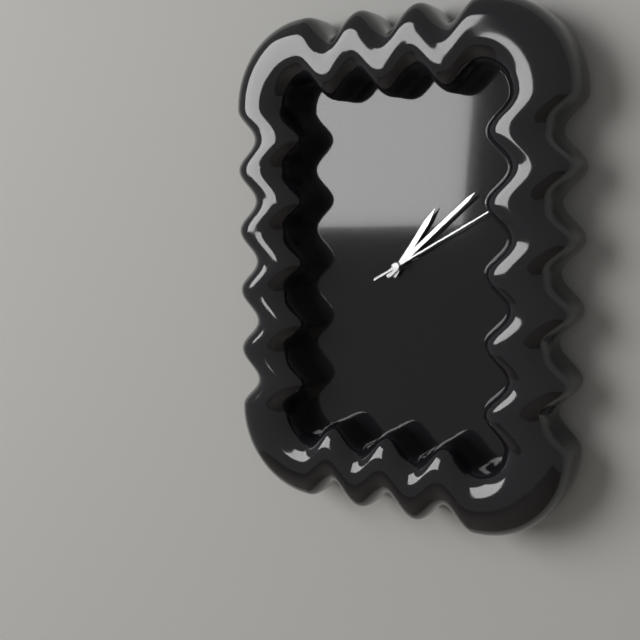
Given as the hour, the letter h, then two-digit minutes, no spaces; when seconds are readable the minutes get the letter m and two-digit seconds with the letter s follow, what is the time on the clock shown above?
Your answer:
1h08m10s
